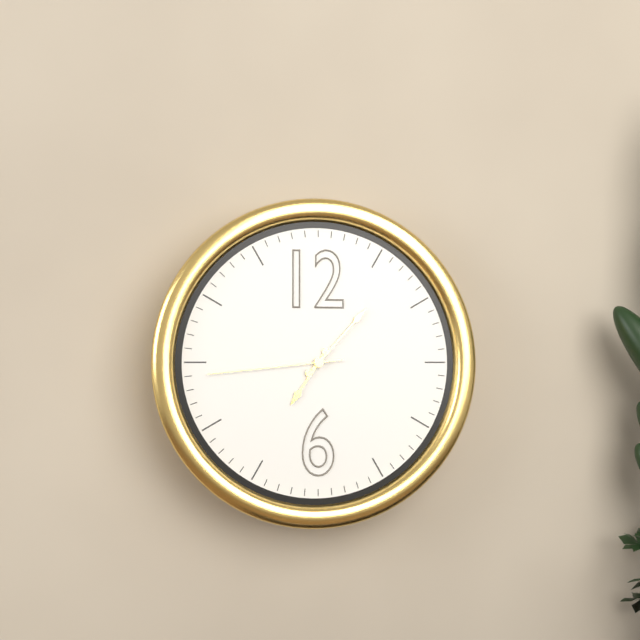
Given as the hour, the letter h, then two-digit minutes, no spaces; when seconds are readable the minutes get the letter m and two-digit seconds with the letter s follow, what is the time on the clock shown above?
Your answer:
7h07m44s
